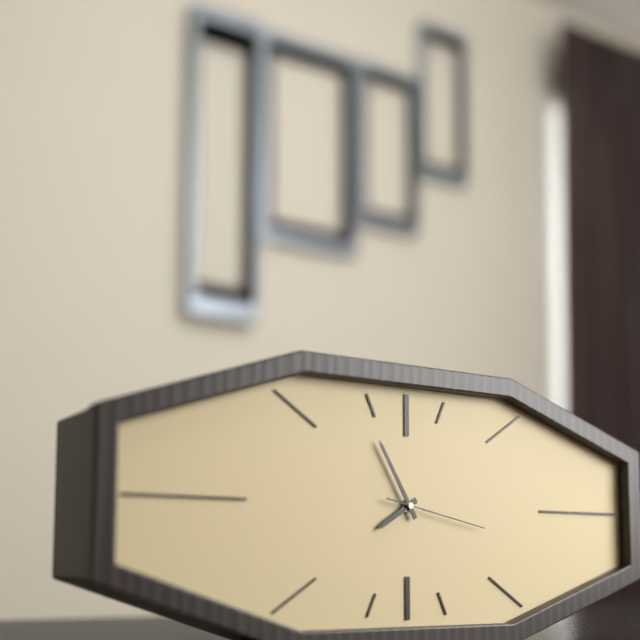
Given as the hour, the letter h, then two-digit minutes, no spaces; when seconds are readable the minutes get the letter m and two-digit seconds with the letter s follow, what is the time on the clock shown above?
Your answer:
7h55m17s
